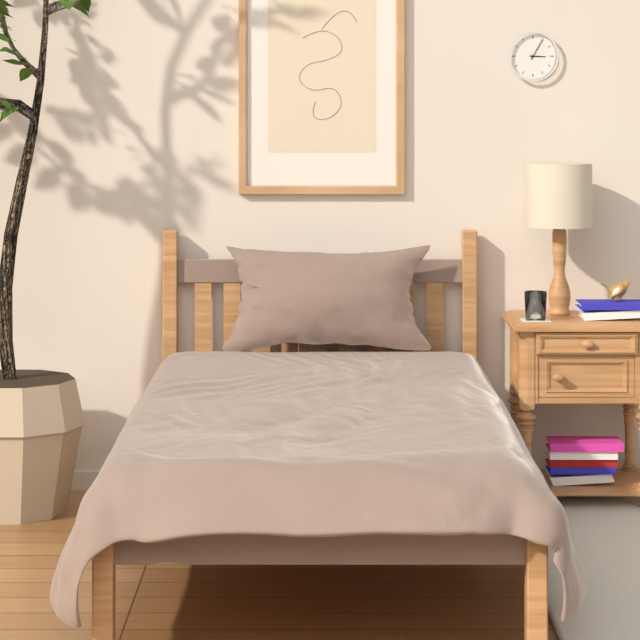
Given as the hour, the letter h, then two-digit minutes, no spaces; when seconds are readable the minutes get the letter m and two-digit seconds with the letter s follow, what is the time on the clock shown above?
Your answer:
3h05
